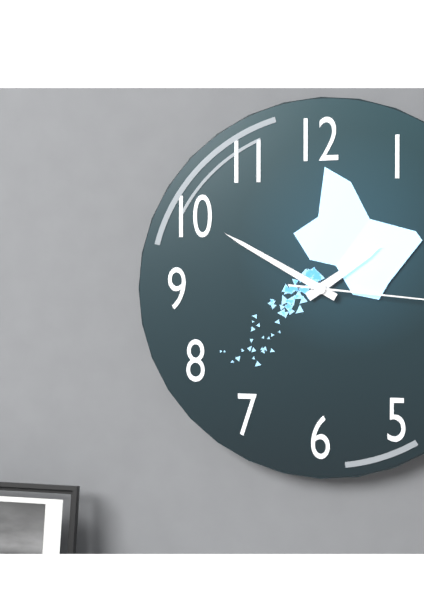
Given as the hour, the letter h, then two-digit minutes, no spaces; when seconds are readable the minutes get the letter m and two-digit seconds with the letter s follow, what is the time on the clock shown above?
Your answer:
1h50
